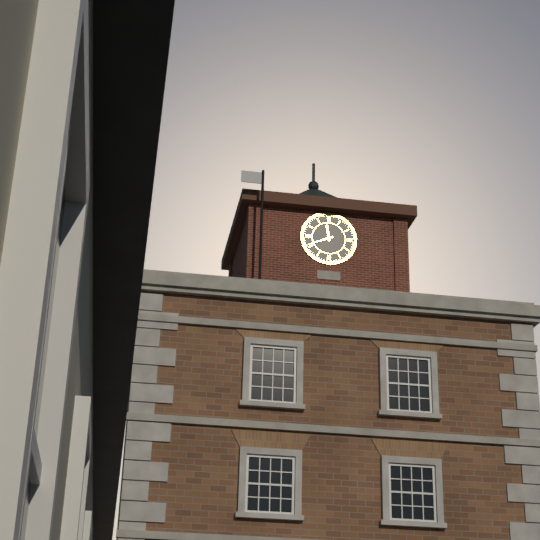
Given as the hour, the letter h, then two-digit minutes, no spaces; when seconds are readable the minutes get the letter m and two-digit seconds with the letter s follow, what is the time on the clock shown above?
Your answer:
11h41
